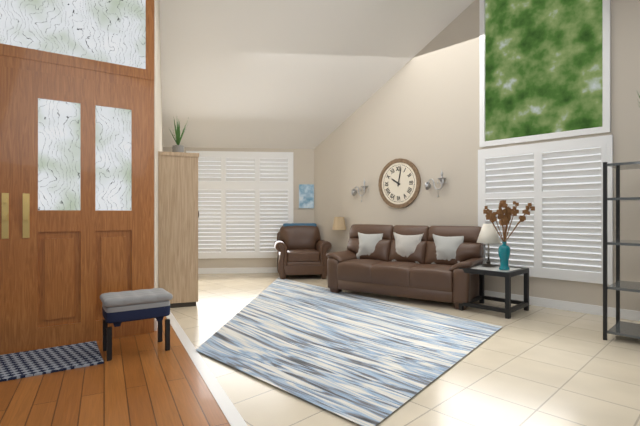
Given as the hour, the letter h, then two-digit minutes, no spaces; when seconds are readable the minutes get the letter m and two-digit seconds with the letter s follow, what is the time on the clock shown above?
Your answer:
10h02
